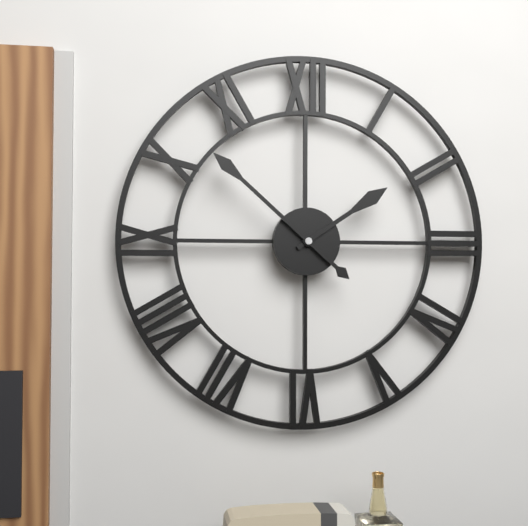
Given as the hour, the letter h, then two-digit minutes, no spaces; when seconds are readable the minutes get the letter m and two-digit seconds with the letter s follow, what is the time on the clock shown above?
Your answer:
1h52
